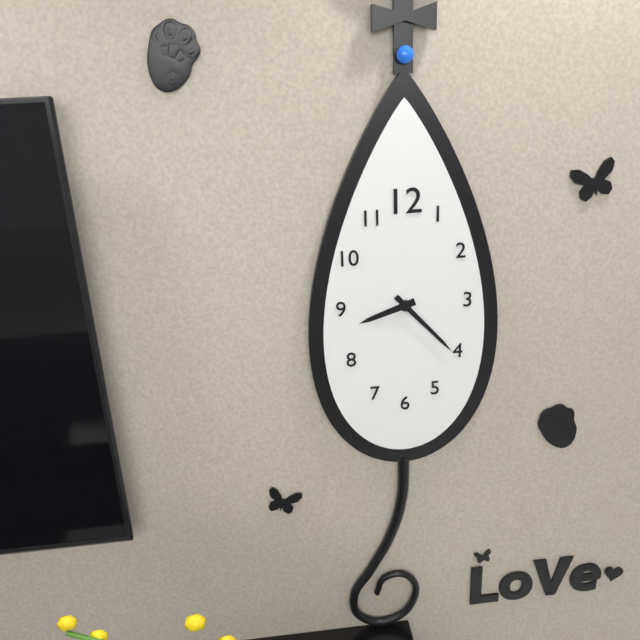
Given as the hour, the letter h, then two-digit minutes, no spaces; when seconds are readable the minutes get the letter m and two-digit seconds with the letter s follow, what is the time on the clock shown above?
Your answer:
8h23
